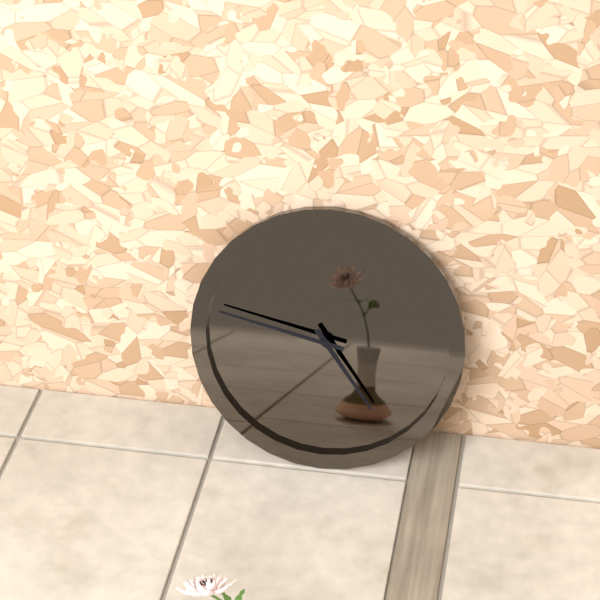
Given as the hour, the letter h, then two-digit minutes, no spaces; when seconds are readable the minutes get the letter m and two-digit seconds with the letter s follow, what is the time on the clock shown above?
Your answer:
4h47
